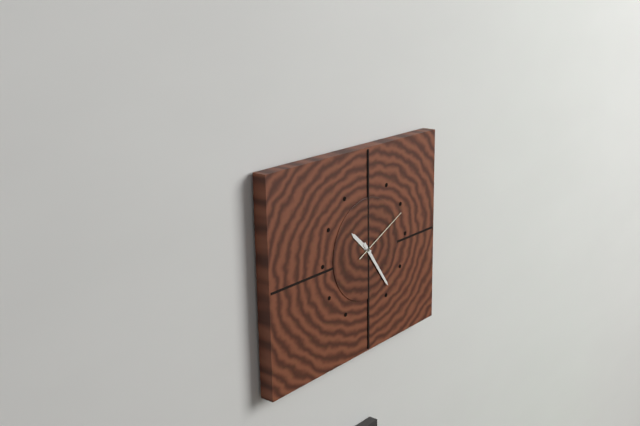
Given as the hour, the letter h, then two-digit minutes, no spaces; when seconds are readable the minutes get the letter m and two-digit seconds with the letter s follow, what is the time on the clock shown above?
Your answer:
10h24m11s
